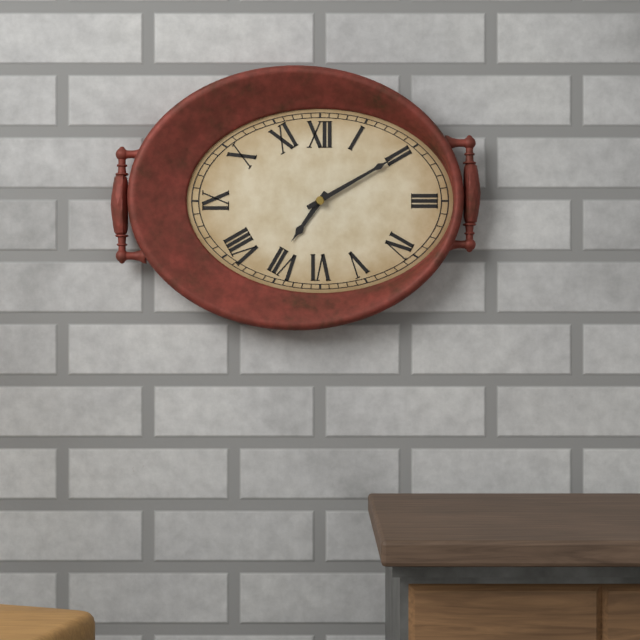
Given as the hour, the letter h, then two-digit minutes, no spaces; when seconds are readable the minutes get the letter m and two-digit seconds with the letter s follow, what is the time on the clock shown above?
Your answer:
7h10
